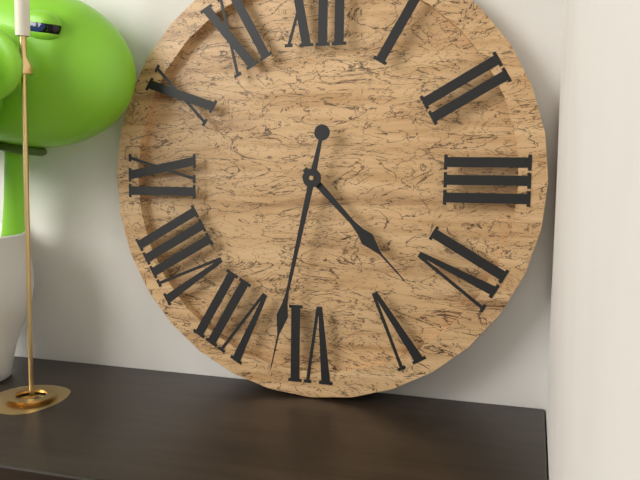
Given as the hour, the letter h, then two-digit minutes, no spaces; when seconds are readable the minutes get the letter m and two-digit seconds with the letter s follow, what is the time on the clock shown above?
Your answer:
4h32
